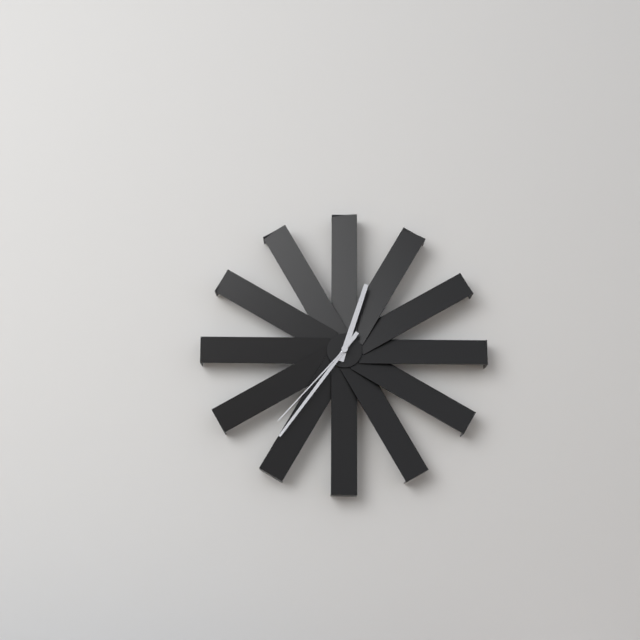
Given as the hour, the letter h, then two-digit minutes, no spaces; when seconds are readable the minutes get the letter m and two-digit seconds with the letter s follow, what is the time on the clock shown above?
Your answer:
12h36m37s
